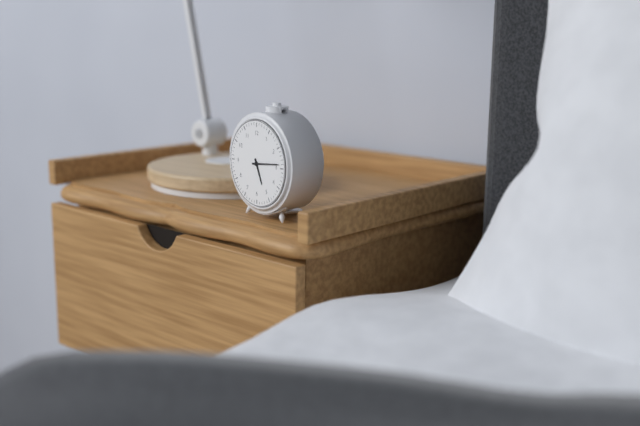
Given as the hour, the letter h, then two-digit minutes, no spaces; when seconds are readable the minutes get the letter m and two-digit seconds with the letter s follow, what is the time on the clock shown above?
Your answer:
5h14
